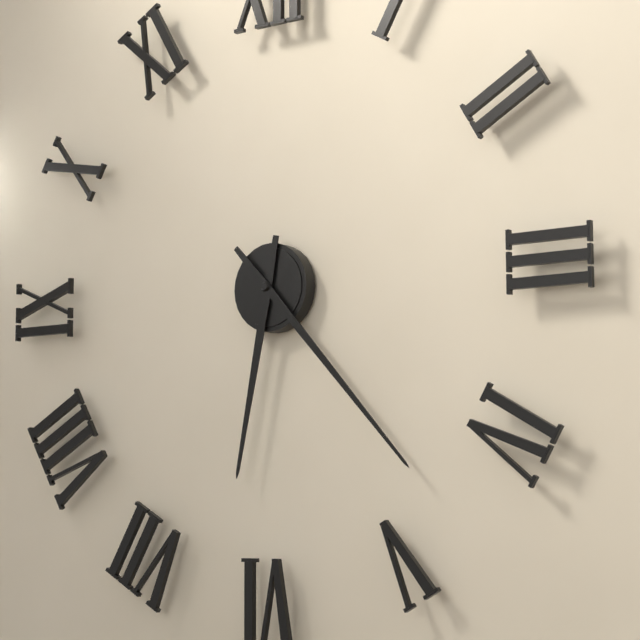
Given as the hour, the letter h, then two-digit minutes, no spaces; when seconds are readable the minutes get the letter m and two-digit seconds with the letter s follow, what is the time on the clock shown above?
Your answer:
6h23
